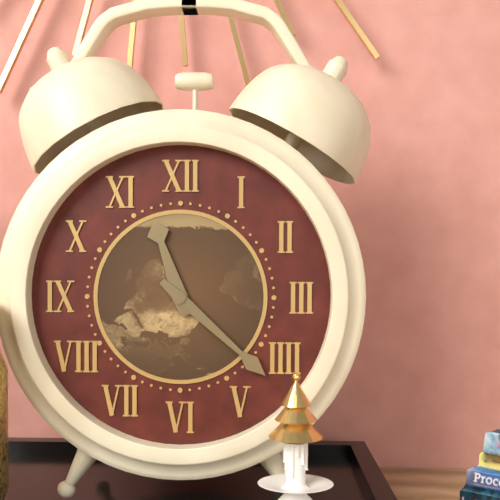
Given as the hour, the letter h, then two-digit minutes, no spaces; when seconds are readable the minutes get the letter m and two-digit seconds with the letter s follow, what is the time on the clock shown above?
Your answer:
11h22
